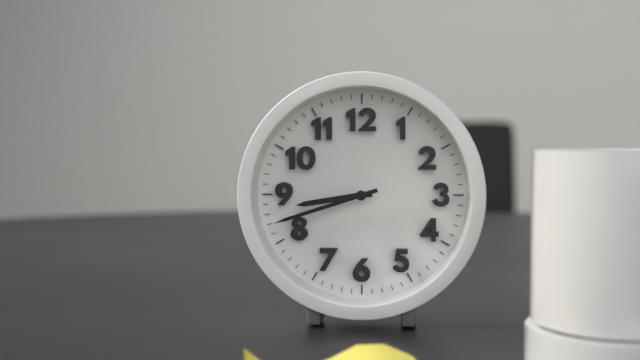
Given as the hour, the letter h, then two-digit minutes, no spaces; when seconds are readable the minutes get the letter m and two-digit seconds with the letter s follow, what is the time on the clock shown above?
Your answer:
8h42
